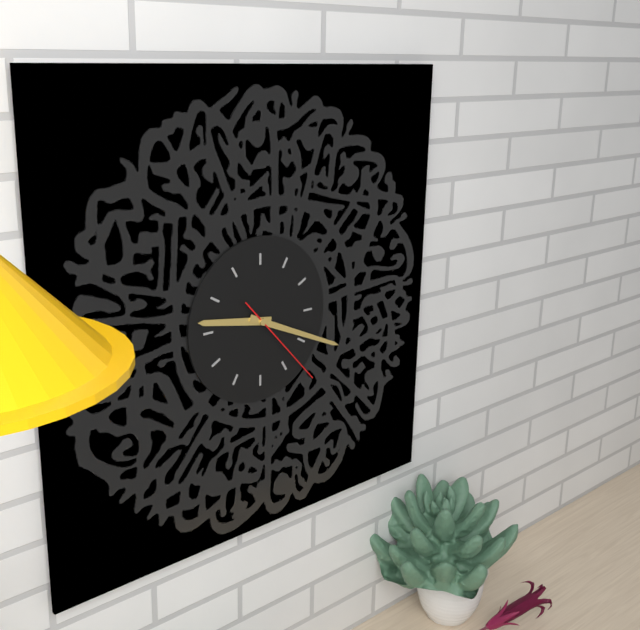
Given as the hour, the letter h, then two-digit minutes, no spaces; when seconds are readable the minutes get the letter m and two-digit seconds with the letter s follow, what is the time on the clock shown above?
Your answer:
9h19m23s
